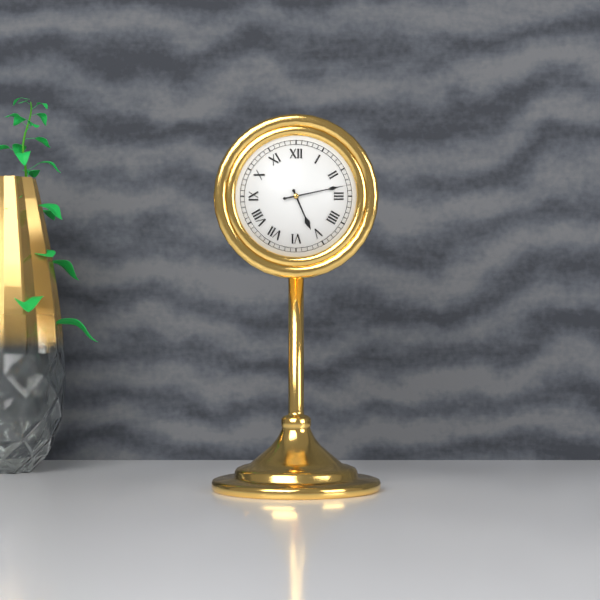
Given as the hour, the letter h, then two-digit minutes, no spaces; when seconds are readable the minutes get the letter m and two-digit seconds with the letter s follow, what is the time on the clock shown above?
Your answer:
5h13
